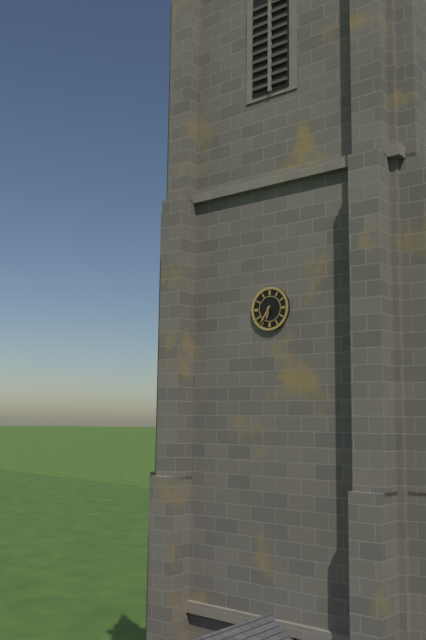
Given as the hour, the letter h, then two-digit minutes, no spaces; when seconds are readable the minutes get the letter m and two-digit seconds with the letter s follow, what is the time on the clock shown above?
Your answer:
6h36
